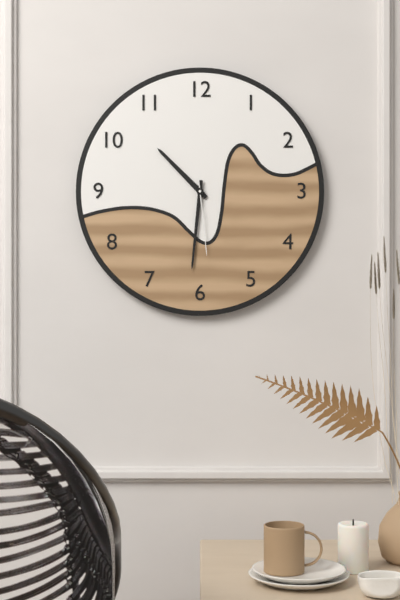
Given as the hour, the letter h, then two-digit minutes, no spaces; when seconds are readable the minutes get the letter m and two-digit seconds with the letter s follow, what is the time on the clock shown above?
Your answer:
10h31m29s
